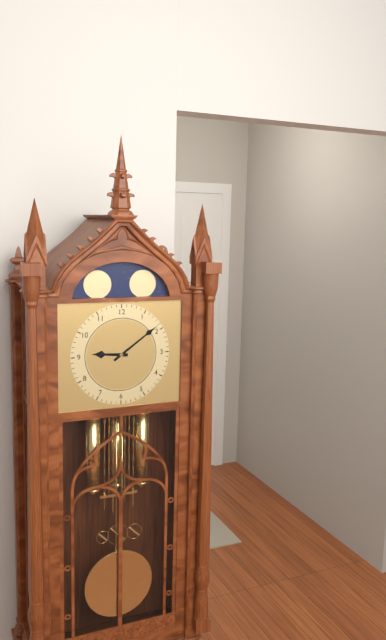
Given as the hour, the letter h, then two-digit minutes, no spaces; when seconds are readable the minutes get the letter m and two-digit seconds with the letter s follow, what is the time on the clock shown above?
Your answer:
9h09
